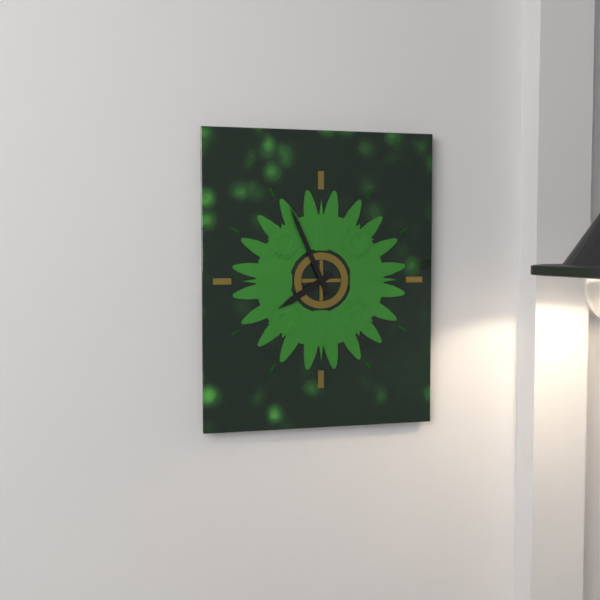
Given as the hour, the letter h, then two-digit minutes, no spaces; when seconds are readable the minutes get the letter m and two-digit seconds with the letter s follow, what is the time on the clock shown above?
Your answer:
7h56
